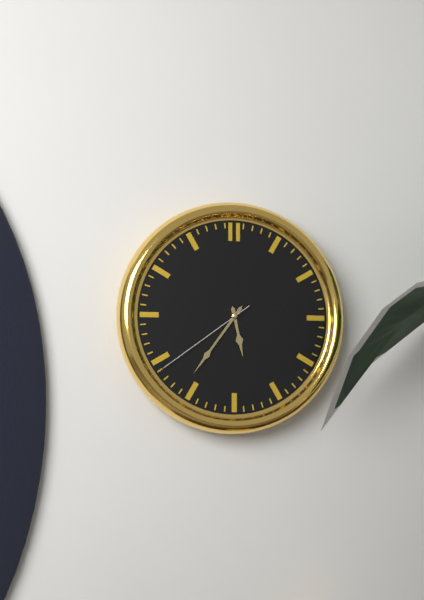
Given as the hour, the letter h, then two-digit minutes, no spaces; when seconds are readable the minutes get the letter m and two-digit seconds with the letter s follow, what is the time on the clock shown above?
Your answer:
5h36m39s
